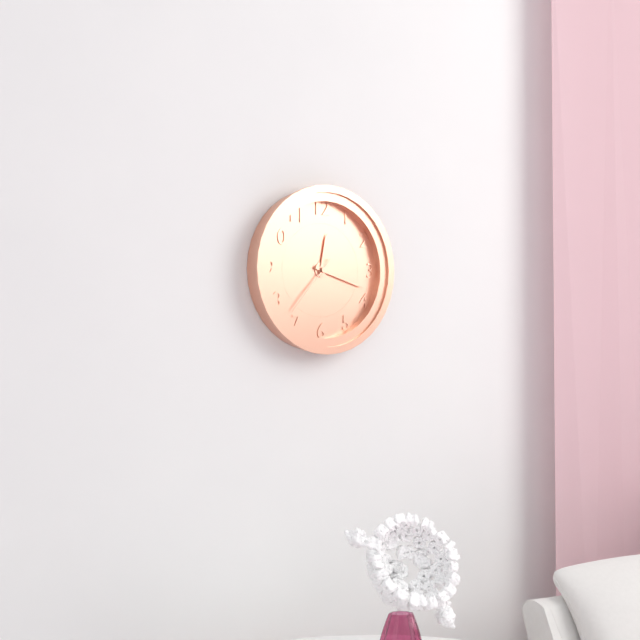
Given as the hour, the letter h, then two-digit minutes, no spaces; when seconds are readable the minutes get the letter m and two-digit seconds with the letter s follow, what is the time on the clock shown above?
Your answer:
12h18m37s
